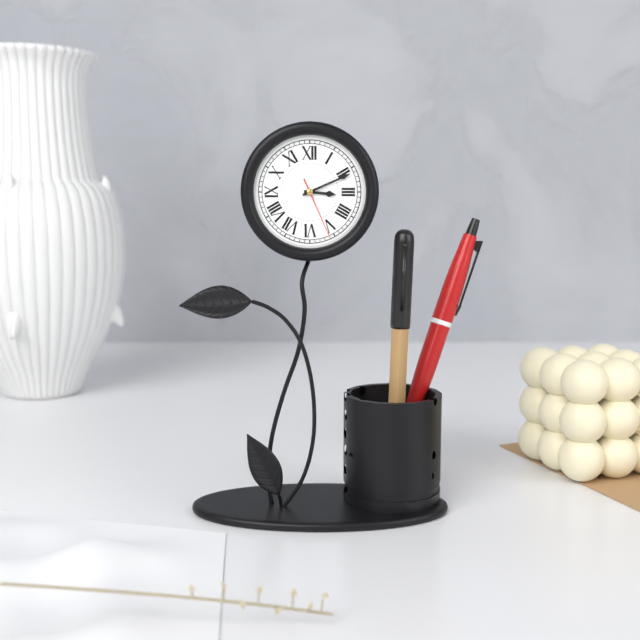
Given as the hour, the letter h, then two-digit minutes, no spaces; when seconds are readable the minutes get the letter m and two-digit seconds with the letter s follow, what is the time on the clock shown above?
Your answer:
3h11m26s
